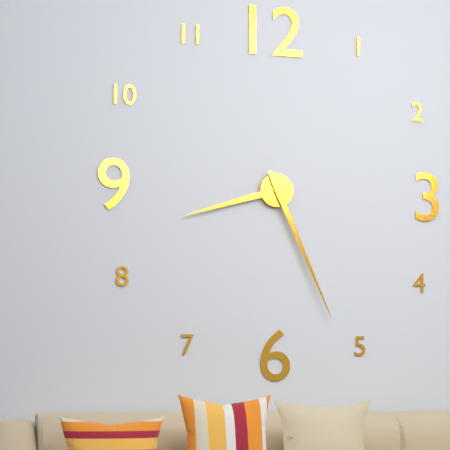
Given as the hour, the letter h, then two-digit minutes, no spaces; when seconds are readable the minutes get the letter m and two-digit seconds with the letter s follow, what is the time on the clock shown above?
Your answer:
8h26
